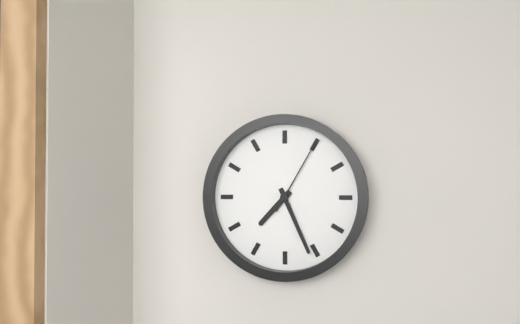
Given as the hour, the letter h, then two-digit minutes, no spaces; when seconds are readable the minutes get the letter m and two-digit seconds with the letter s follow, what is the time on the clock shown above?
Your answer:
7h26m05s
